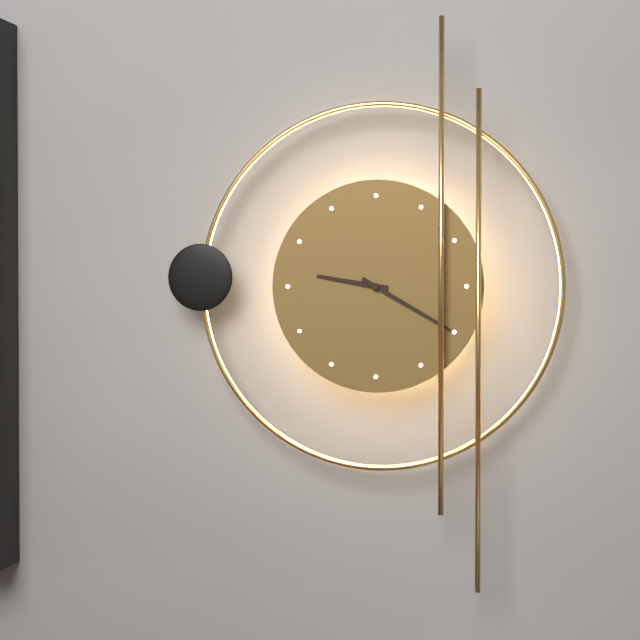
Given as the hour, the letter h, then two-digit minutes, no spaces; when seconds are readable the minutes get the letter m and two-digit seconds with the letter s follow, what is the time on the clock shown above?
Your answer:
9h20
